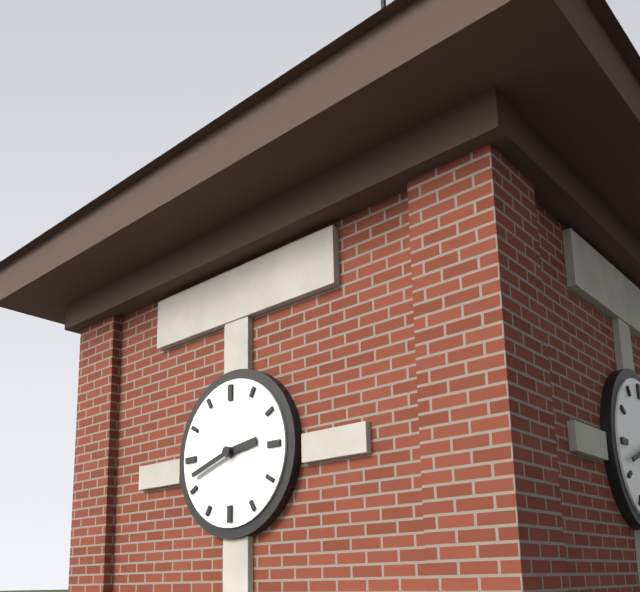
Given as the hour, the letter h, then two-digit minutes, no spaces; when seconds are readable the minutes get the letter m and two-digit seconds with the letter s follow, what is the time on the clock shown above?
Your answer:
2h42
